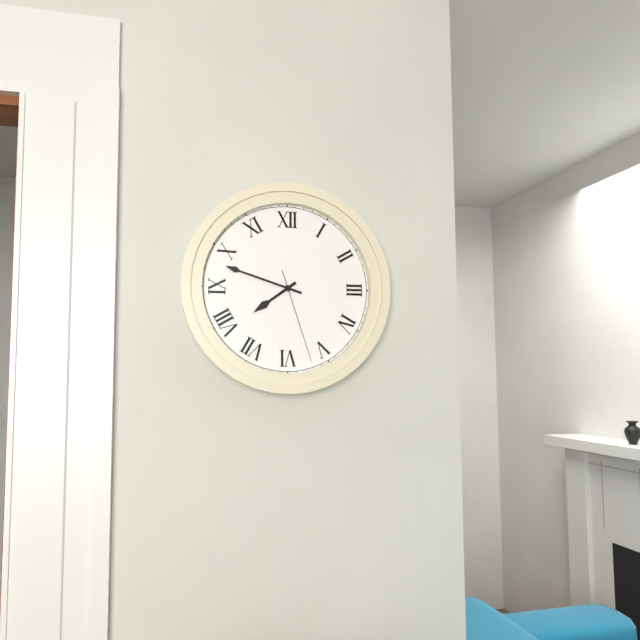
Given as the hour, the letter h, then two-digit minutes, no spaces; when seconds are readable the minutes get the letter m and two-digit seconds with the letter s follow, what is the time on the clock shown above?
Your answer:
7h48m27s
